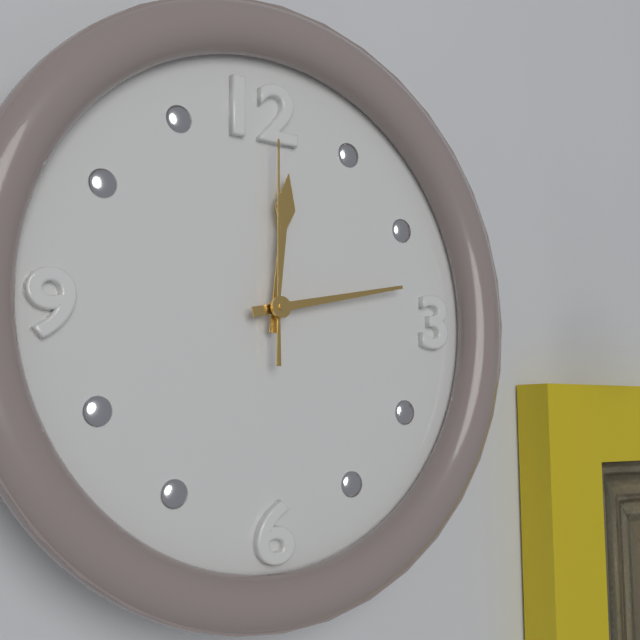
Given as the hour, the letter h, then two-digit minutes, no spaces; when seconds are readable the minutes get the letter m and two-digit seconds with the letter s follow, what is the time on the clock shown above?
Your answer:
12h13m00s
